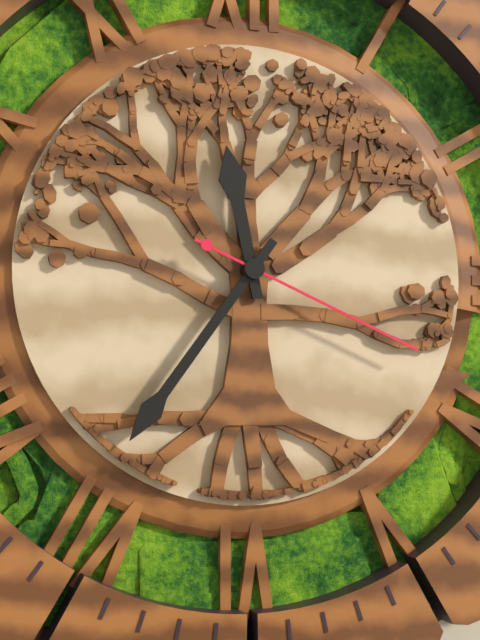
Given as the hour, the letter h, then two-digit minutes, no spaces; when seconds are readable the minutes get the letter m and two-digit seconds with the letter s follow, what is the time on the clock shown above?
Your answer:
11h36m19s
